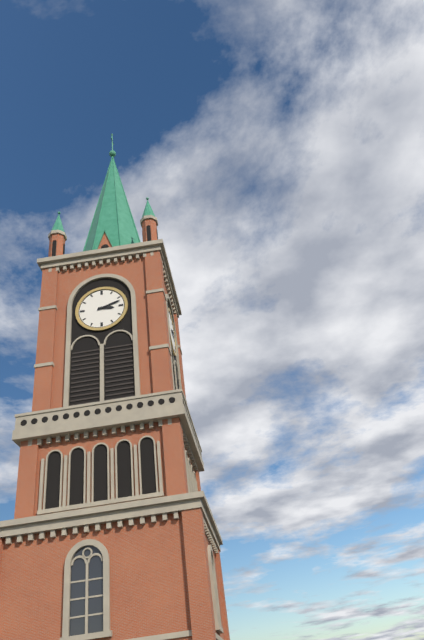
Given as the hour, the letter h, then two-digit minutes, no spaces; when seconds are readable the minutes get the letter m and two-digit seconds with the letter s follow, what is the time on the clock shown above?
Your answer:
3h12
